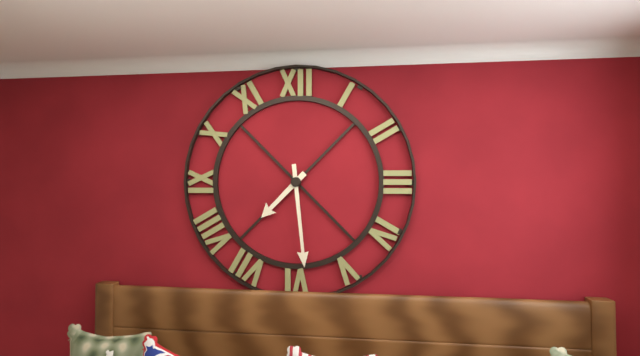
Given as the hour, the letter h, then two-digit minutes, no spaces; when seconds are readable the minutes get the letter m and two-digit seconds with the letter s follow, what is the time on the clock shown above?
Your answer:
7h29
